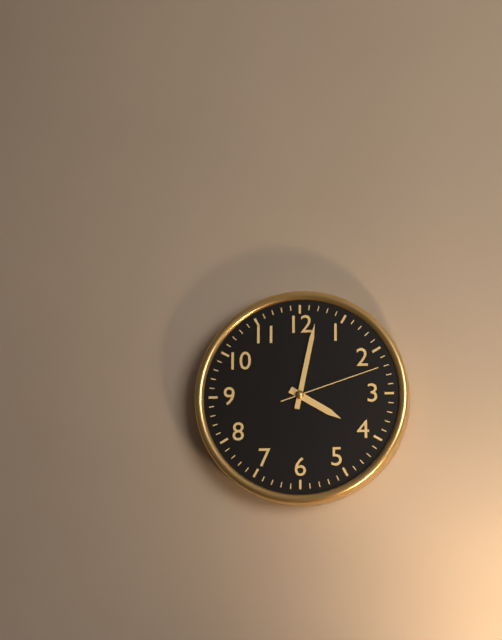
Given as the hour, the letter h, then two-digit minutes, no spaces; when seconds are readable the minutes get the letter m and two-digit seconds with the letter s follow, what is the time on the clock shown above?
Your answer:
4h02m12s
